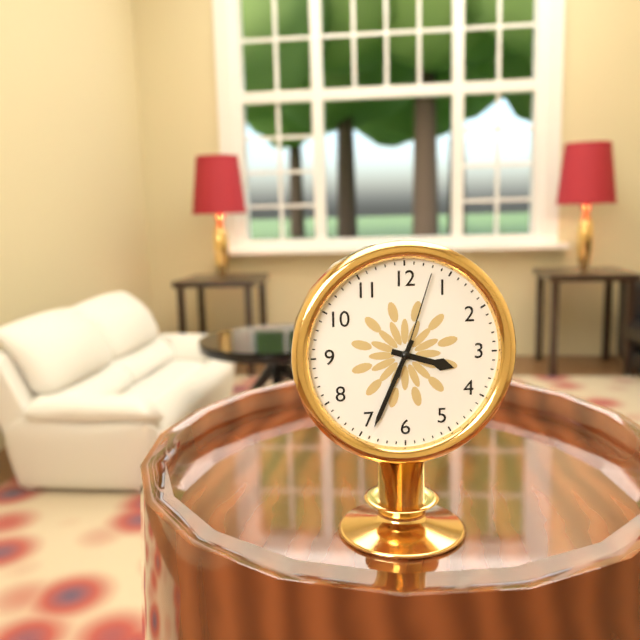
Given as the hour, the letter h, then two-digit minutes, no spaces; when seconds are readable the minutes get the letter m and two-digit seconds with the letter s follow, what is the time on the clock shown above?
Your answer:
3h34m03s
